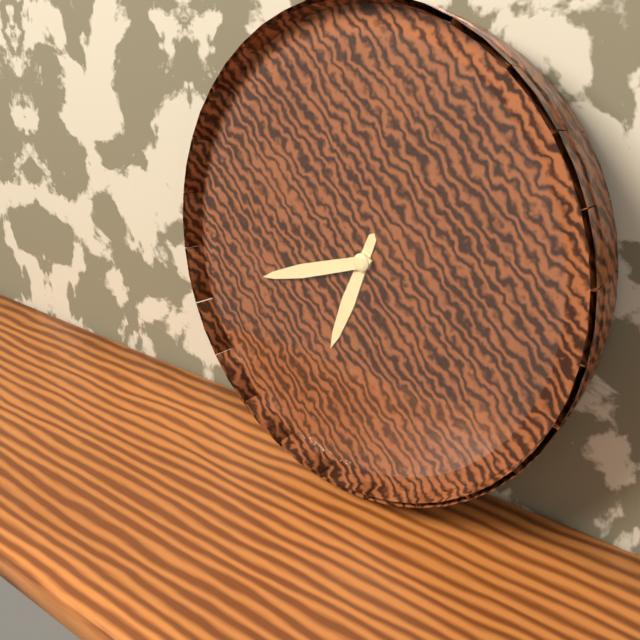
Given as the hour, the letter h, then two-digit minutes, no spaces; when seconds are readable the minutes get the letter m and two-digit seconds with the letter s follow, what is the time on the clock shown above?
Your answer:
6h42
